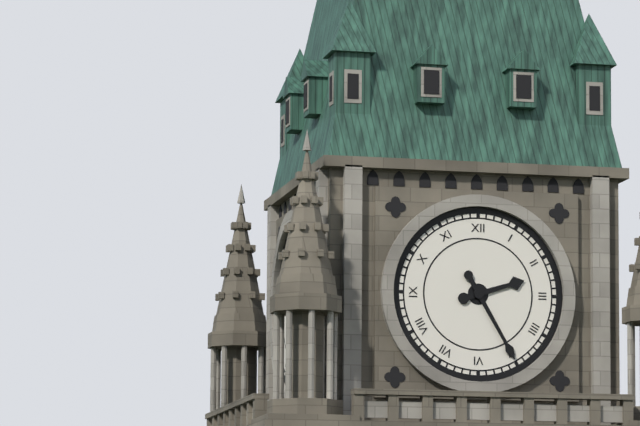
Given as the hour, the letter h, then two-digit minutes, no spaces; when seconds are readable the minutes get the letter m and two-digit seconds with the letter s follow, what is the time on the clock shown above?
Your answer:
2h25
